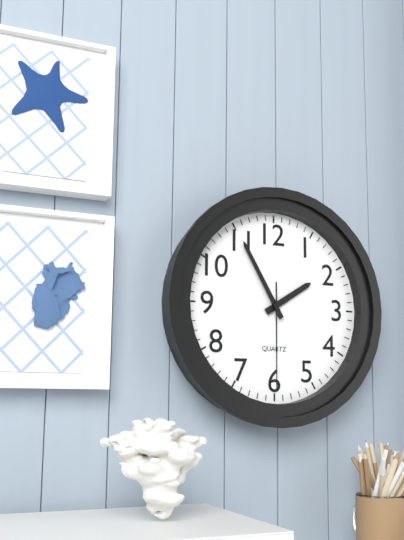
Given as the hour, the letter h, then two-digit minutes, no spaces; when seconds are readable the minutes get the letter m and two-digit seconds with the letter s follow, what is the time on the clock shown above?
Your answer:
1h55m30s
